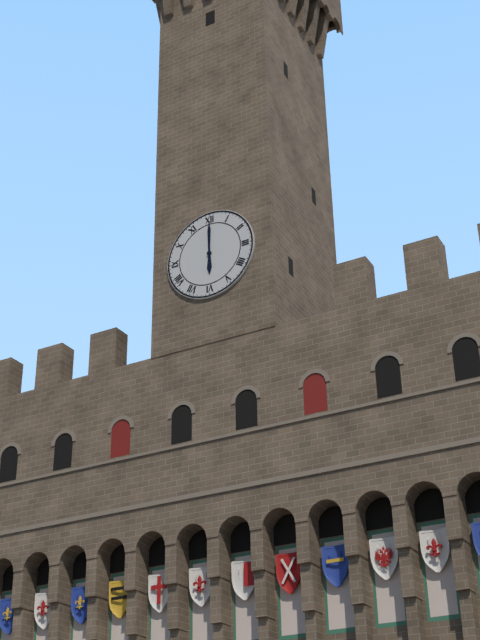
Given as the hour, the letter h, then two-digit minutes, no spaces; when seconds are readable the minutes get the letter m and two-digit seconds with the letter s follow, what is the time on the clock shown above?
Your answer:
6h00
